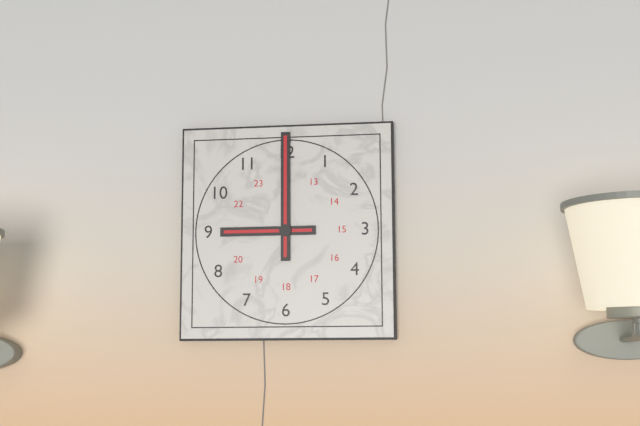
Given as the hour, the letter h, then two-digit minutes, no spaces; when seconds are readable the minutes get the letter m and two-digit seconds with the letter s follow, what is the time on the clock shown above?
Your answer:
9h00
